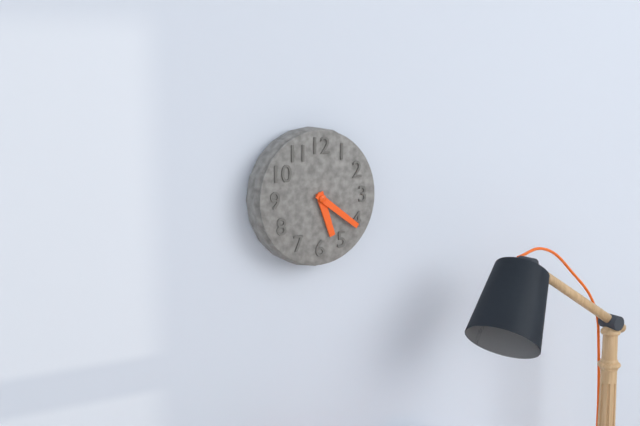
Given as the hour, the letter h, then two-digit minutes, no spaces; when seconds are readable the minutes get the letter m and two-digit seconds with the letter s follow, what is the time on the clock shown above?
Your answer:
5h21
